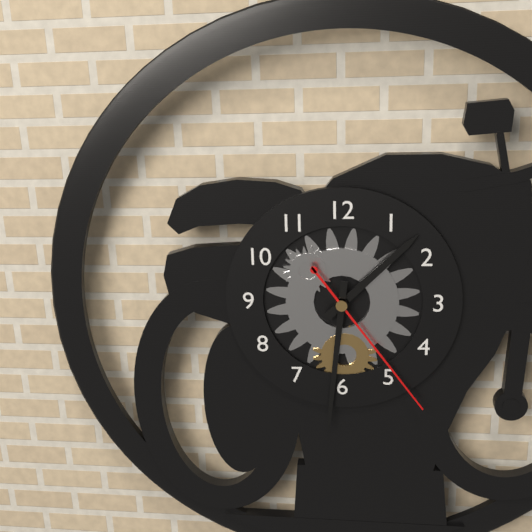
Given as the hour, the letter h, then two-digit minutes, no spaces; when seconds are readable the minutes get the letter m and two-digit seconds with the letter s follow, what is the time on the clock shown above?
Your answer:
1h31m24s
